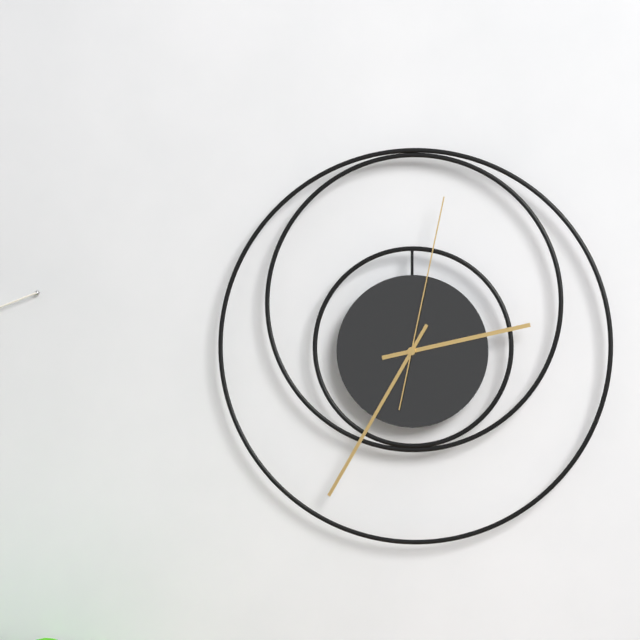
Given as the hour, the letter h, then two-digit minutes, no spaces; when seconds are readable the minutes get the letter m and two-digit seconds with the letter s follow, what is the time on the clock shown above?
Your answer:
2h35m02s
